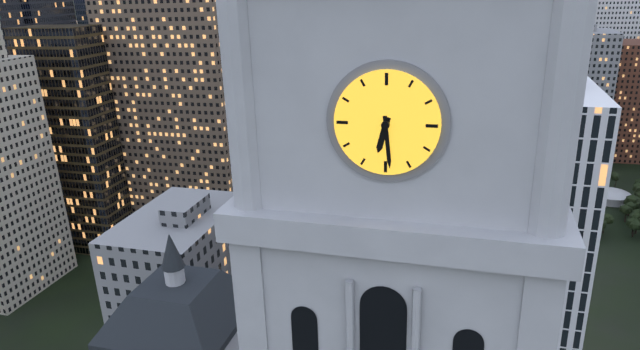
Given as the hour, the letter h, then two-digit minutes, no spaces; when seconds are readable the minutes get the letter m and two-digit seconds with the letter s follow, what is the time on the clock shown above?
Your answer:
6h29
